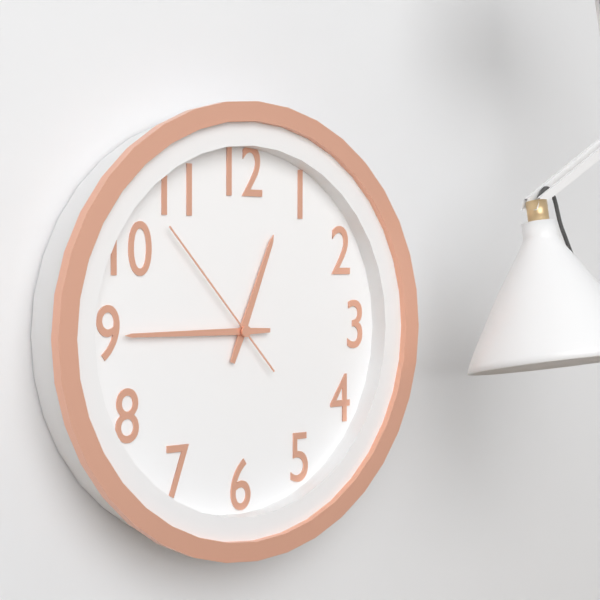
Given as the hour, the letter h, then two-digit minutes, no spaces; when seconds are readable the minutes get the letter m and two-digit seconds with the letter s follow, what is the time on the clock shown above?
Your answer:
12h45m53s
